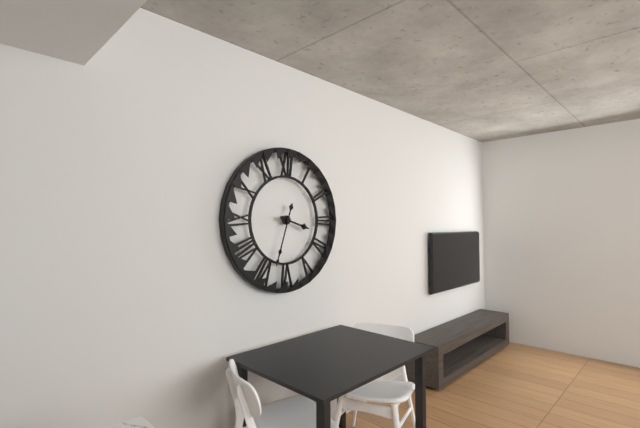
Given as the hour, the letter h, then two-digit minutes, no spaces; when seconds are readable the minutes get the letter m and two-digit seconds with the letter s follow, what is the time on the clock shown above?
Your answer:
3h33
